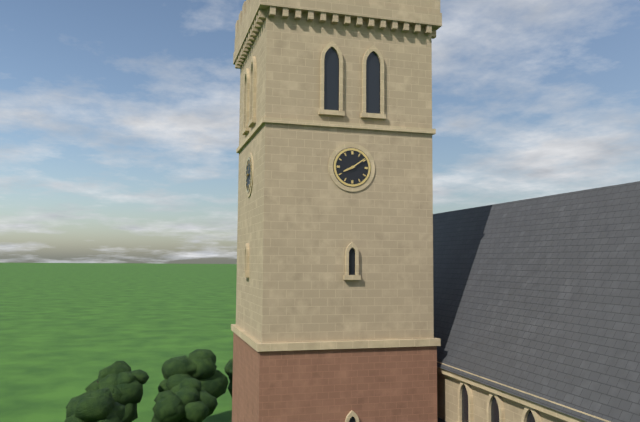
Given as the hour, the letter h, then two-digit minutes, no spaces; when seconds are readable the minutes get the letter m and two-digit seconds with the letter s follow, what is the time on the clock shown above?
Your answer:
8h09
